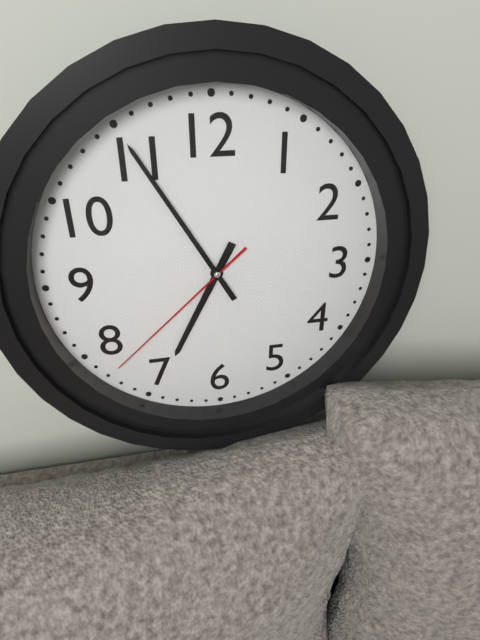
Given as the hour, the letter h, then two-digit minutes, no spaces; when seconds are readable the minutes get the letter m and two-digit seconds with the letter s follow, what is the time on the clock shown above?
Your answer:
6h55m38s
